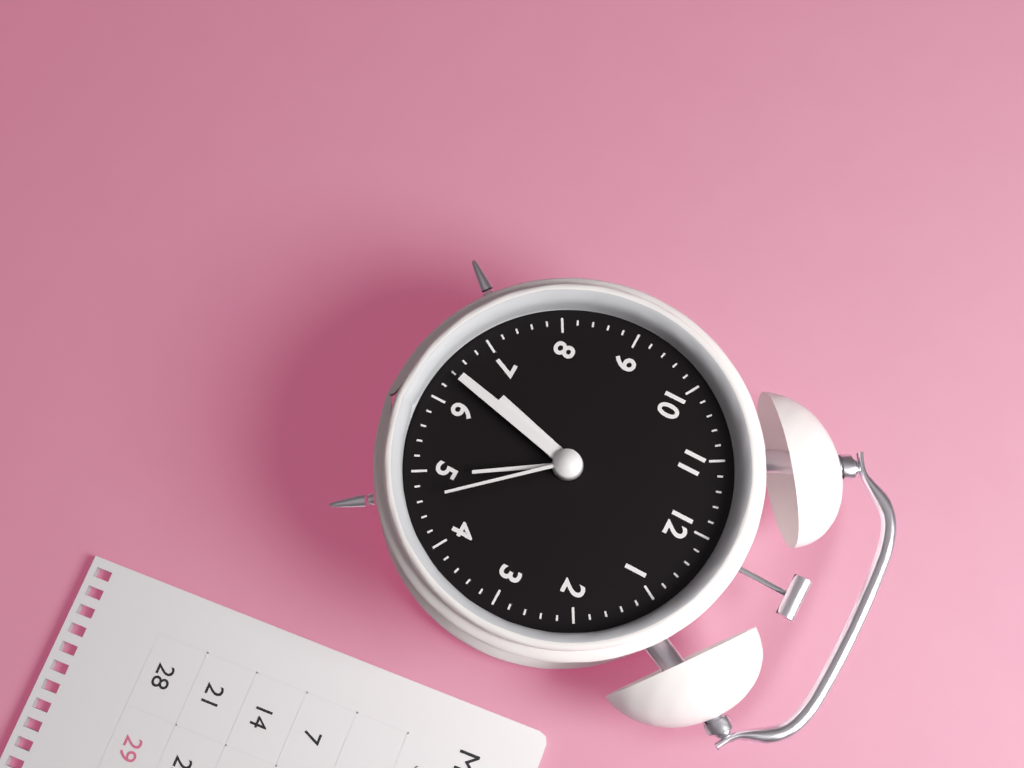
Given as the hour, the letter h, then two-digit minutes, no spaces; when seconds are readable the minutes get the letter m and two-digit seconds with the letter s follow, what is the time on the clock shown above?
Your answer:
6h32m23s
